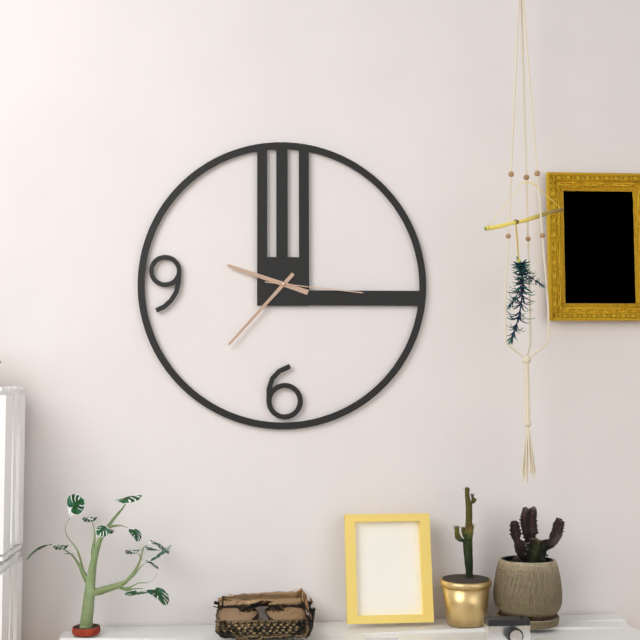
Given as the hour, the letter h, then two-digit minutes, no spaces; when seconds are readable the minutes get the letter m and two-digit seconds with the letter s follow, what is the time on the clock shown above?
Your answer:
9h37m16s
